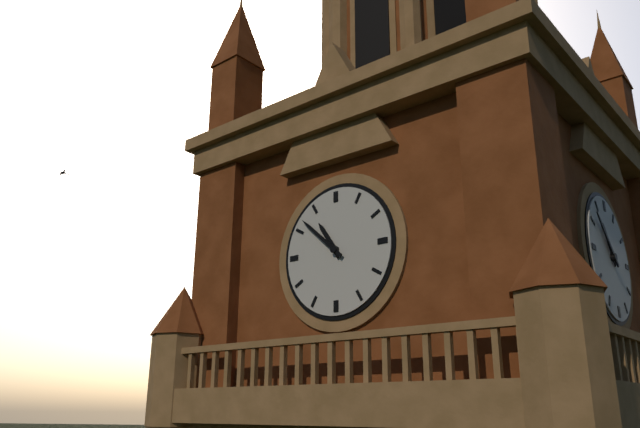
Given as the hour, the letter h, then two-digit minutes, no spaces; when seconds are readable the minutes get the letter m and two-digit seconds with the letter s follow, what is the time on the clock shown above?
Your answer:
10h52
